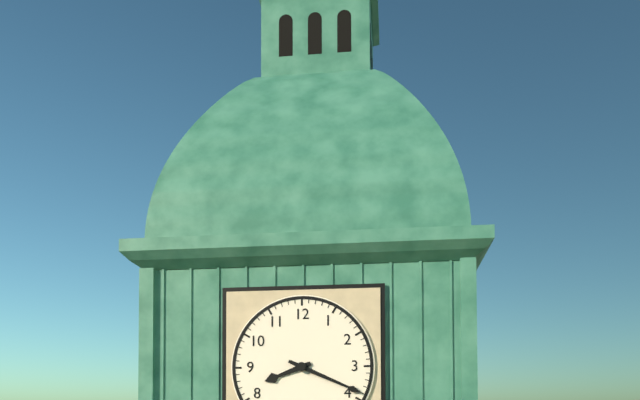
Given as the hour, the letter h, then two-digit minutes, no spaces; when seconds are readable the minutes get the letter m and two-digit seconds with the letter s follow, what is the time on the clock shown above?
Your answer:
8h19
